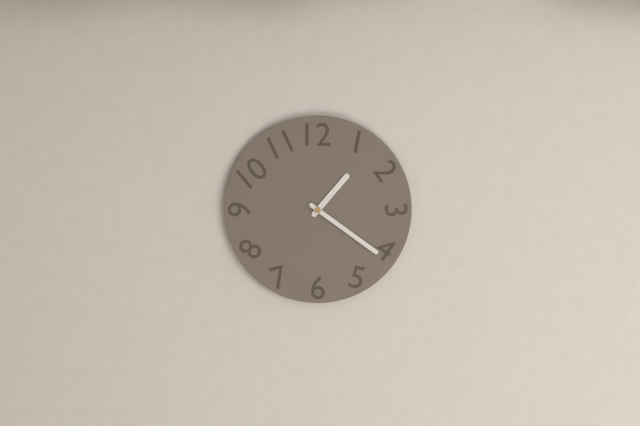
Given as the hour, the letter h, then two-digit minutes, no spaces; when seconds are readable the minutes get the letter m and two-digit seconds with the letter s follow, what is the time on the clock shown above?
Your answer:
1h21
